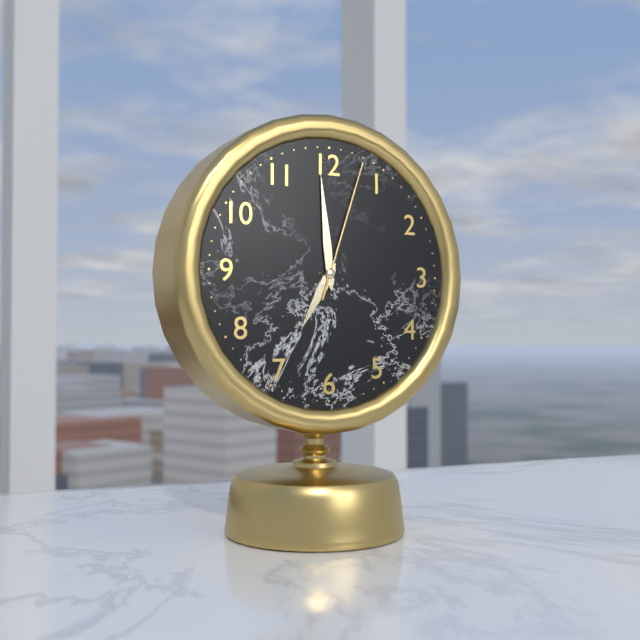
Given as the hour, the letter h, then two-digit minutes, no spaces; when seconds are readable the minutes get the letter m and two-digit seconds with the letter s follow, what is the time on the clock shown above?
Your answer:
6h59m03s
